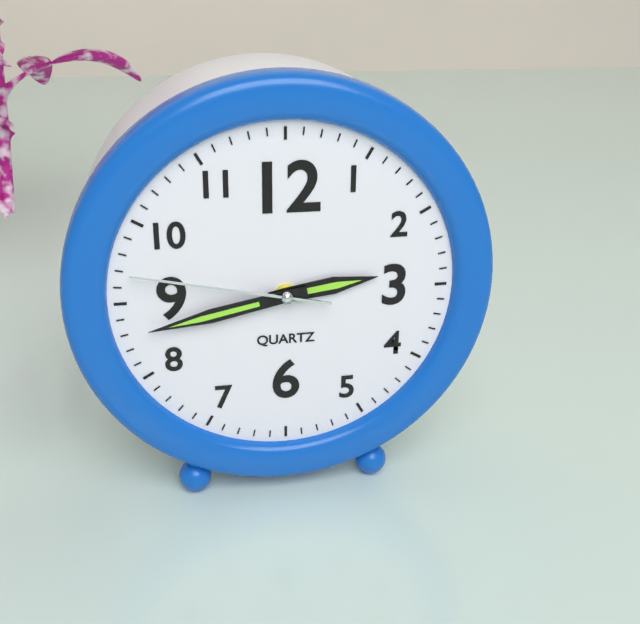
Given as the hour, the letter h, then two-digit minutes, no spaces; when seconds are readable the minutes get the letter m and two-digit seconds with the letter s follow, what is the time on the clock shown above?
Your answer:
2h43m47s
